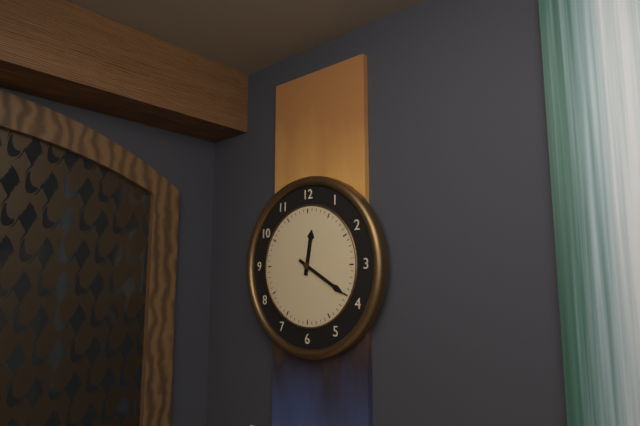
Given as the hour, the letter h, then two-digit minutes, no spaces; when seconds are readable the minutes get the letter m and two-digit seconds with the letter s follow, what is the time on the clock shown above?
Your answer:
12h20
